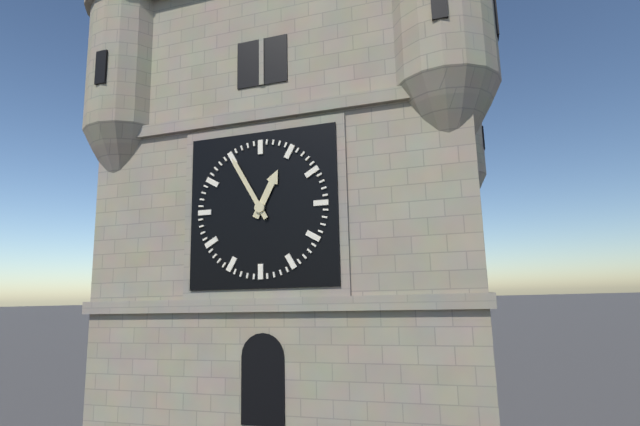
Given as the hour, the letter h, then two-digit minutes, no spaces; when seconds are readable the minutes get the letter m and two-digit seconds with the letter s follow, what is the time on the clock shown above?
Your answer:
12h55
